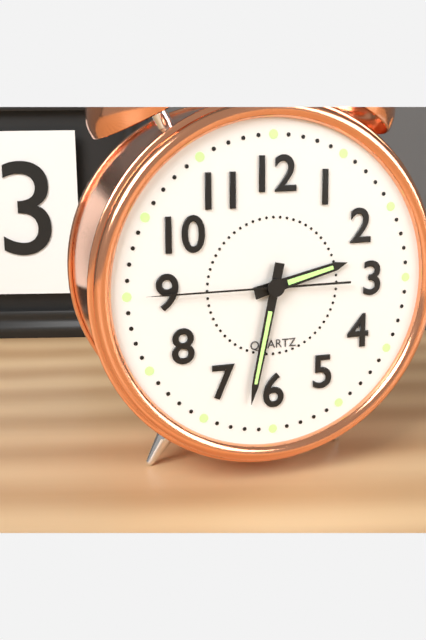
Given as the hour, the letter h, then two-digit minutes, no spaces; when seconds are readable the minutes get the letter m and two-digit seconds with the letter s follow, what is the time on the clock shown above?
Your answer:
2h32m45s
